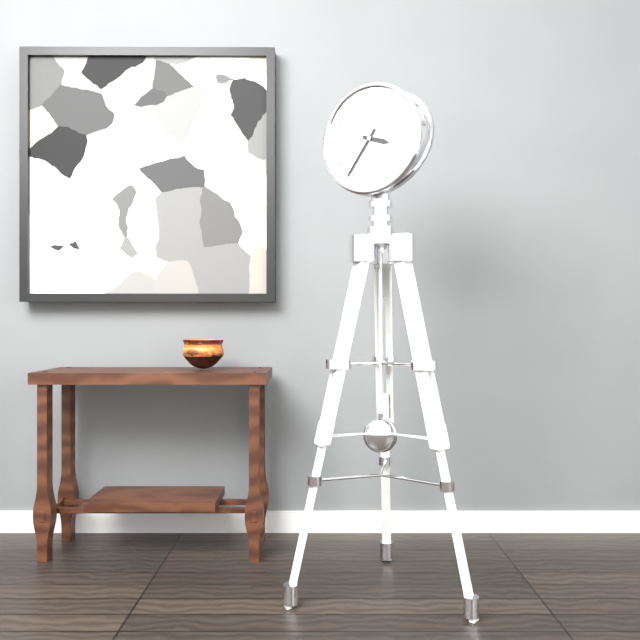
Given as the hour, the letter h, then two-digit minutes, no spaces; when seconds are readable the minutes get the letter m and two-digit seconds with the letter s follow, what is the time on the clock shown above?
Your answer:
3h36
